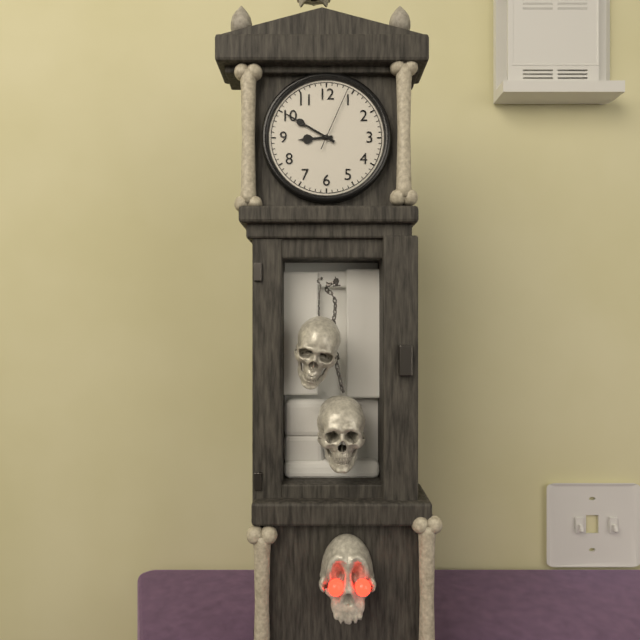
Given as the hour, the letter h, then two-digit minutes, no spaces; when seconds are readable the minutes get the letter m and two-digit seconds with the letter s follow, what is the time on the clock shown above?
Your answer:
8h50m04s
